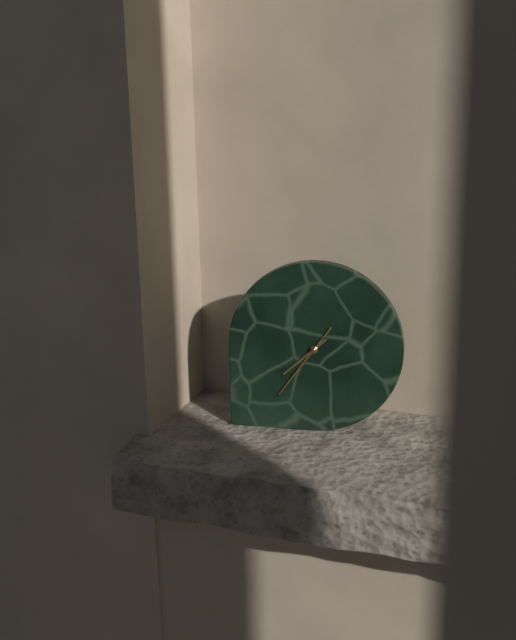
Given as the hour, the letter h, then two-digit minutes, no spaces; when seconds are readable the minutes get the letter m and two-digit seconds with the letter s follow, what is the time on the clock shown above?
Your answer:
7h36
